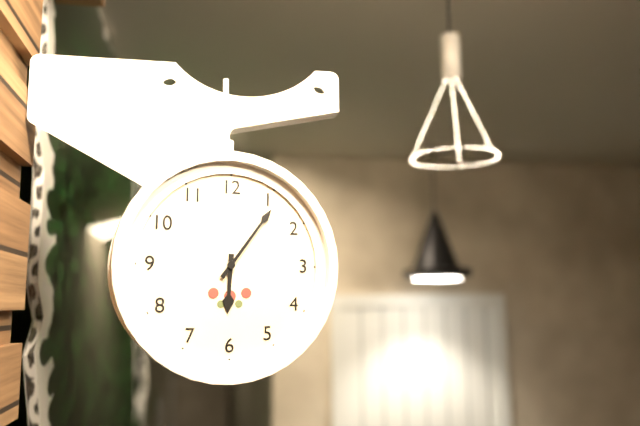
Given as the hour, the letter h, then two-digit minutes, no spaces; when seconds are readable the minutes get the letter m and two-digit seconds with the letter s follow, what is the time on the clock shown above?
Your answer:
6h06
